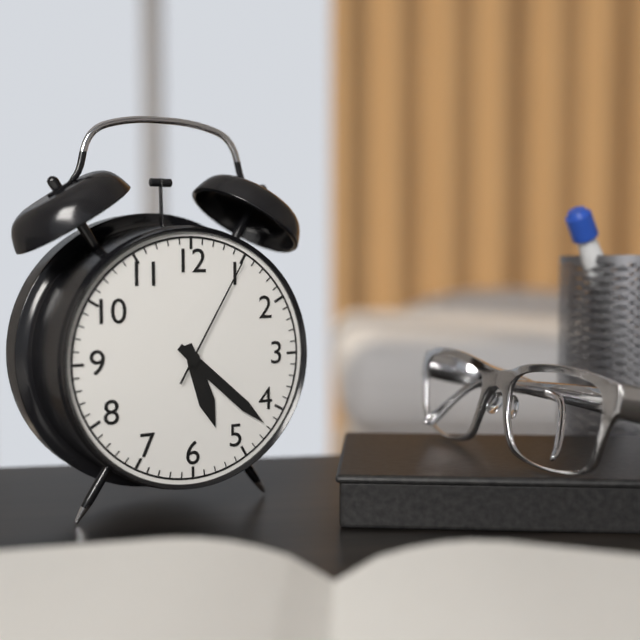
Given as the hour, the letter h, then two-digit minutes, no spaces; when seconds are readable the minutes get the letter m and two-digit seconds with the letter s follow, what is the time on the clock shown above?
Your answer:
5h22m05s
